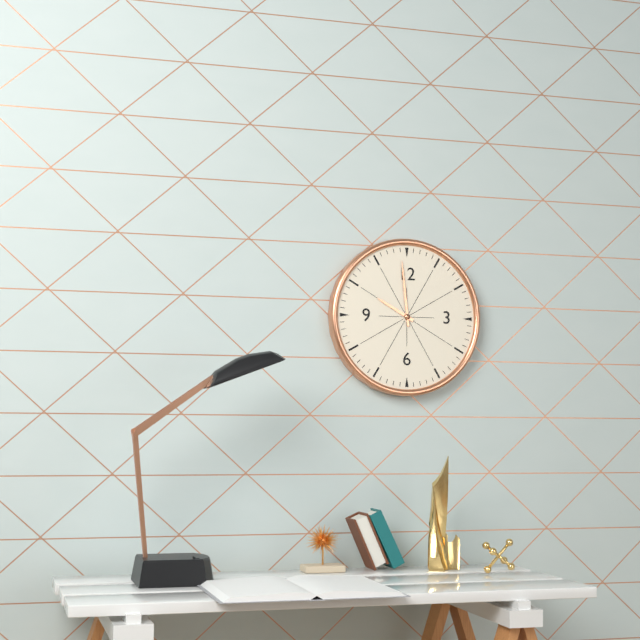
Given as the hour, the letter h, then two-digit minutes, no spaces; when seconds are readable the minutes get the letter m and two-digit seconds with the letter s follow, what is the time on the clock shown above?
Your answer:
9h59
